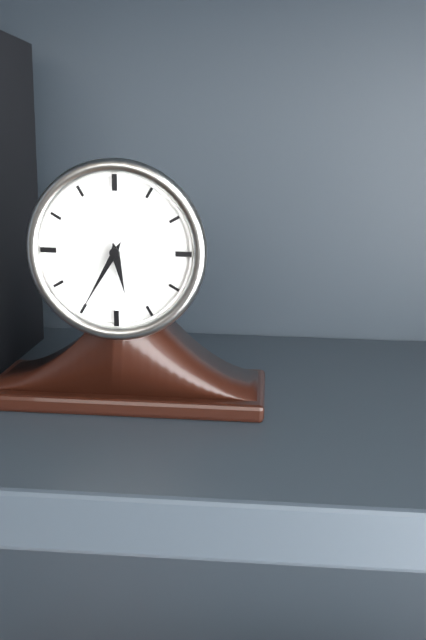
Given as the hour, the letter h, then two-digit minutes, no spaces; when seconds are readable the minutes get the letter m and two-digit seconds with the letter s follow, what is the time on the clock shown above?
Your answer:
5h35
